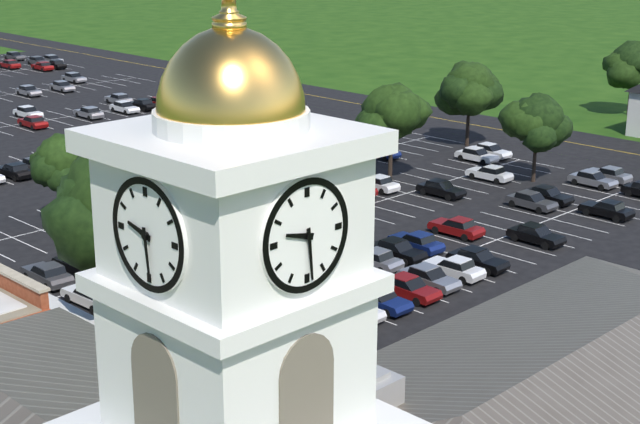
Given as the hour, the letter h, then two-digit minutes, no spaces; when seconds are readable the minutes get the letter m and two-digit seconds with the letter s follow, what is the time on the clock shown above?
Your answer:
9h29
